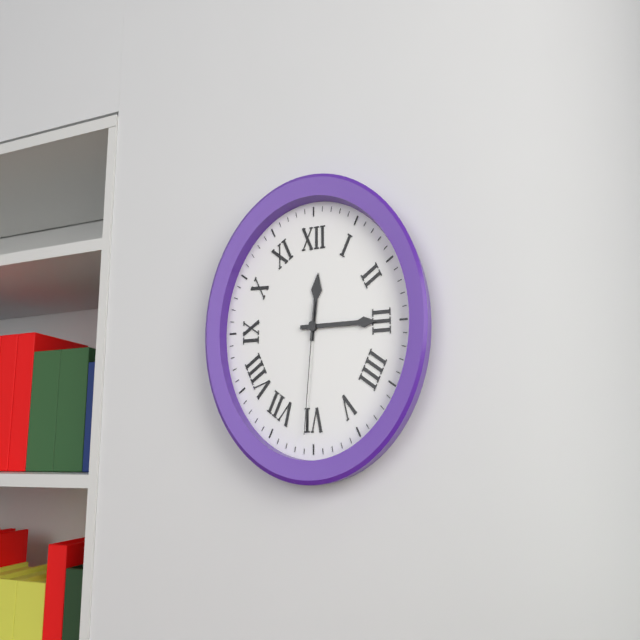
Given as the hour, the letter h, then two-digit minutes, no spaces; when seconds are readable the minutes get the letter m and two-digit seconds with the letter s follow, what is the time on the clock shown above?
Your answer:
12h15m31s
